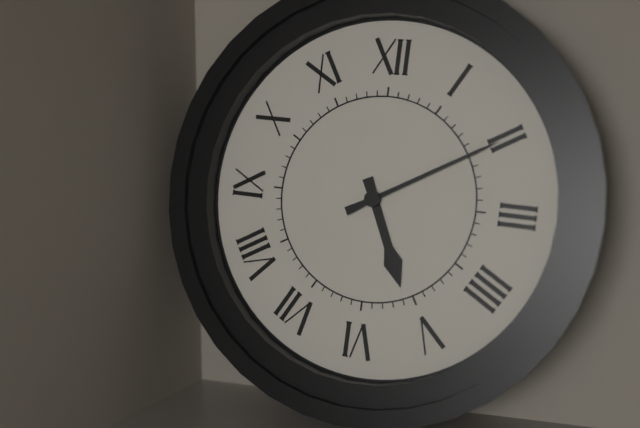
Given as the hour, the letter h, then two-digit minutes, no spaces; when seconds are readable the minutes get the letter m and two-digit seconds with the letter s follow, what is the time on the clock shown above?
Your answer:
5h10
